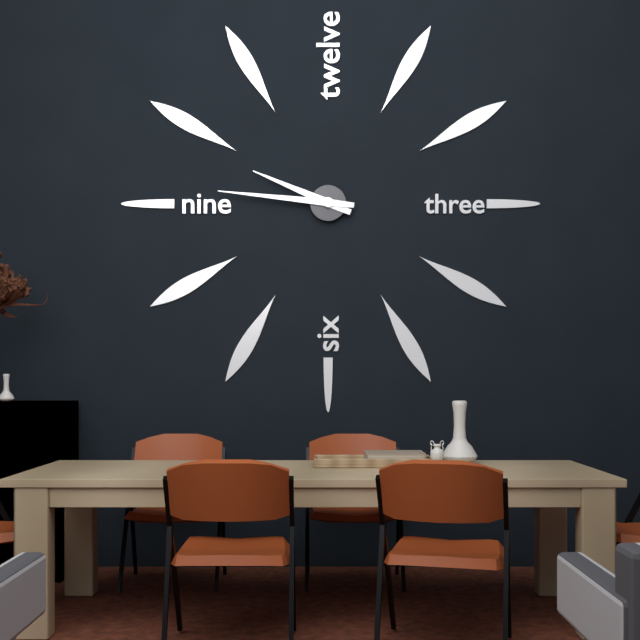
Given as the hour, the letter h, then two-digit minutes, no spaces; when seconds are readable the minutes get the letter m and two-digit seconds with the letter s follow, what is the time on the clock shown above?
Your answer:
9h46
